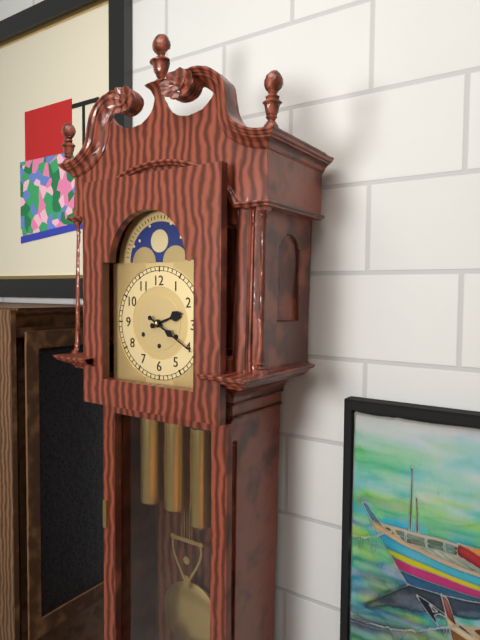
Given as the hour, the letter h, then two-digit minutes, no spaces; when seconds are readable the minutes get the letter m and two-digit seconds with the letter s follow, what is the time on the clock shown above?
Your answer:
2h20
